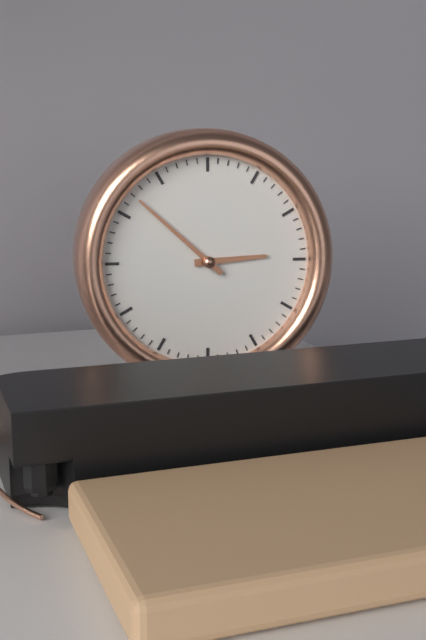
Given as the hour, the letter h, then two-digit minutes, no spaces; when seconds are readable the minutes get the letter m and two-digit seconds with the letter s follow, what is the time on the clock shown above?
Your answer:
2h52
